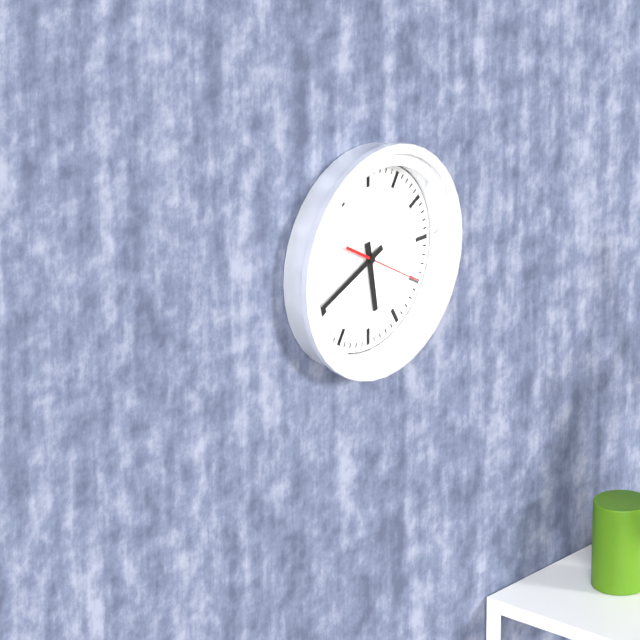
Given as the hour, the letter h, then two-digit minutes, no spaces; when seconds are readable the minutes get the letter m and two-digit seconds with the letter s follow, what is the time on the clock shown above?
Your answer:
5h41m20s
